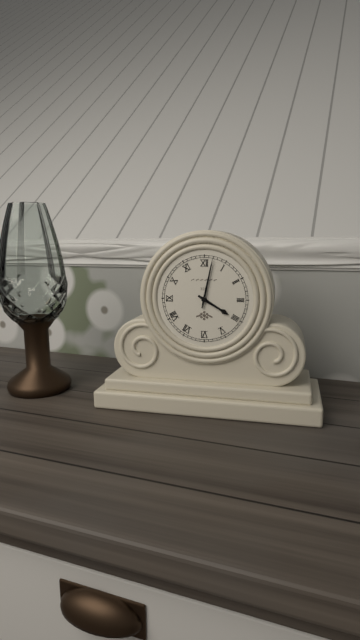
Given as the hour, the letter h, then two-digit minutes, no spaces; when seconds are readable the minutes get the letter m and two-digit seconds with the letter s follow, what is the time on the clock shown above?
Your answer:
4h02
